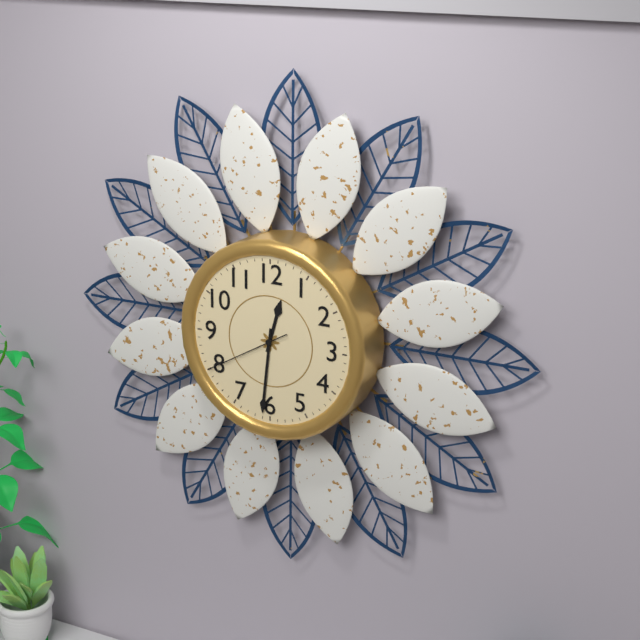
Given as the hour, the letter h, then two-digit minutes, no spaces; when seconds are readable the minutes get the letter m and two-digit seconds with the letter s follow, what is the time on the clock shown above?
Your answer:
12h31m40s
